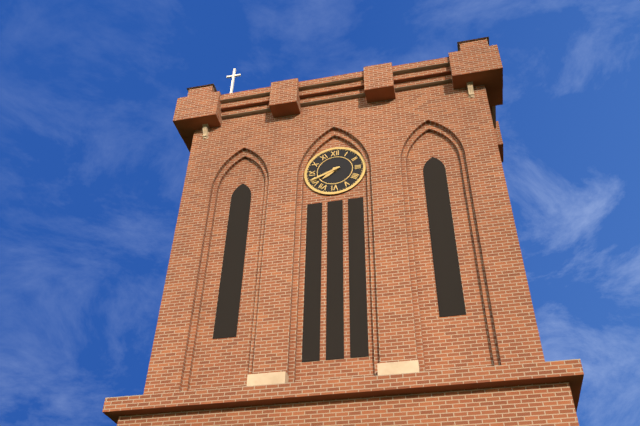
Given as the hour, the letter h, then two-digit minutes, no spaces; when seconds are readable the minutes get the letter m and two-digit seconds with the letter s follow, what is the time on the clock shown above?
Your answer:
7h41
